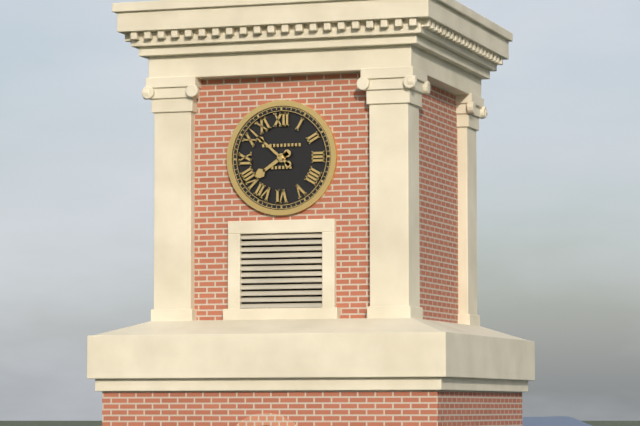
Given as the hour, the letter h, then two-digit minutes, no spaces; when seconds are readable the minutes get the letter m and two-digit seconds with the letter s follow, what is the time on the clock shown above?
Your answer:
7h52
